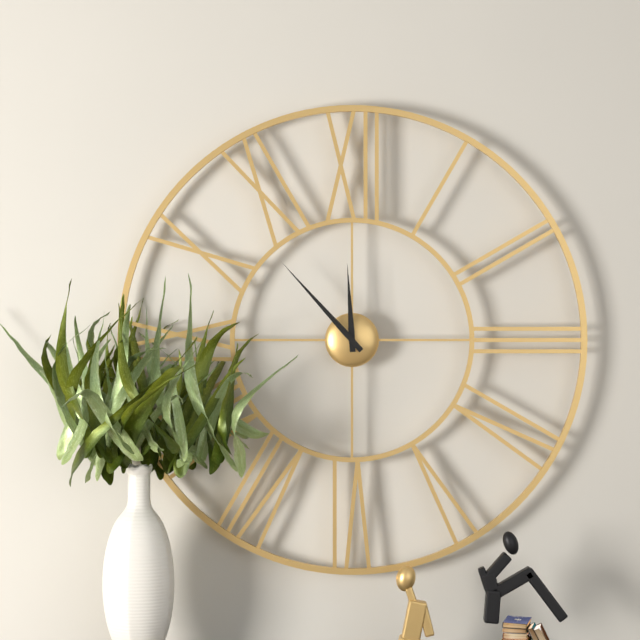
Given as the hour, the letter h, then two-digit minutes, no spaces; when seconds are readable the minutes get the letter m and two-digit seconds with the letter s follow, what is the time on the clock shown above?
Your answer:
11h53
